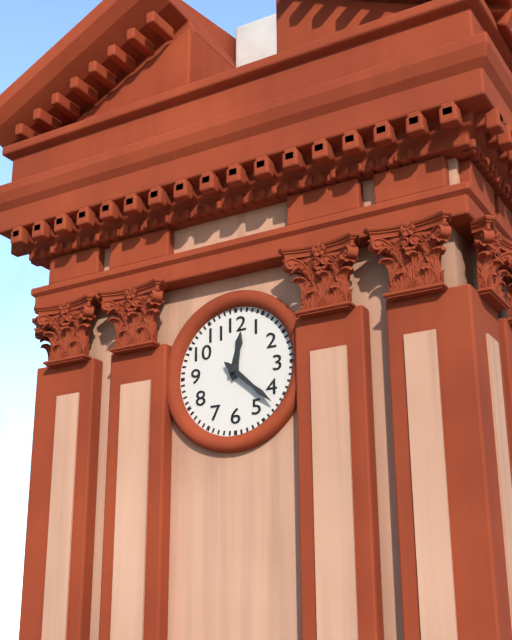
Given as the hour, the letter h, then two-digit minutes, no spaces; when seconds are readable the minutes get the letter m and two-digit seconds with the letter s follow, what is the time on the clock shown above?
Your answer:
12h22
